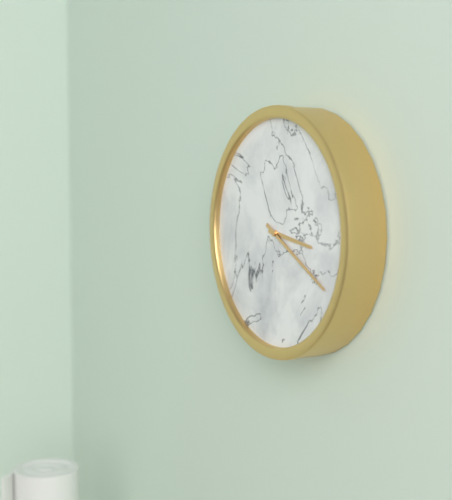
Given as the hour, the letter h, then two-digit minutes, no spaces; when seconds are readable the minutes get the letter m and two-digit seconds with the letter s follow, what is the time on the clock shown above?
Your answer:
3h20
